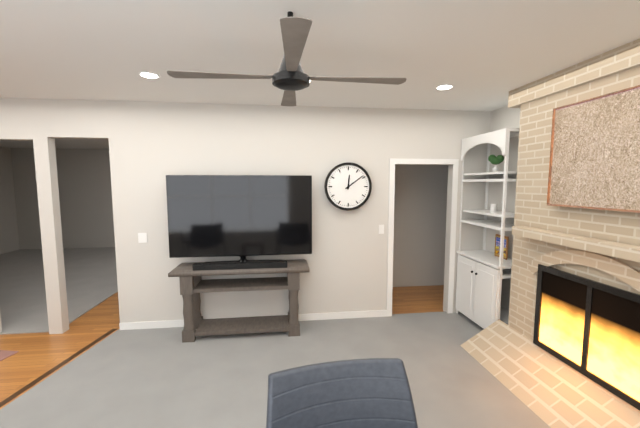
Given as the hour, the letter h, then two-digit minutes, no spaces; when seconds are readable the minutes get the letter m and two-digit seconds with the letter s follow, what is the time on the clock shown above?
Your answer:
12h09
